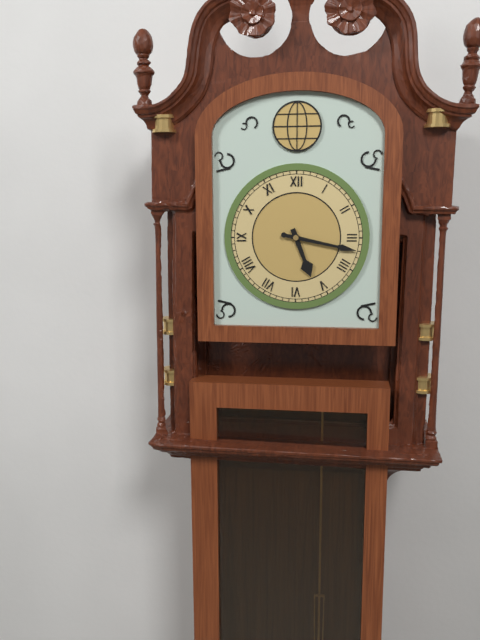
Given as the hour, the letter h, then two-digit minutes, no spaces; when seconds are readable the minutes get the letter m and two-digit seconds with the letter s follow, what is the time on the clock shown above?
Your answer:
5h17
